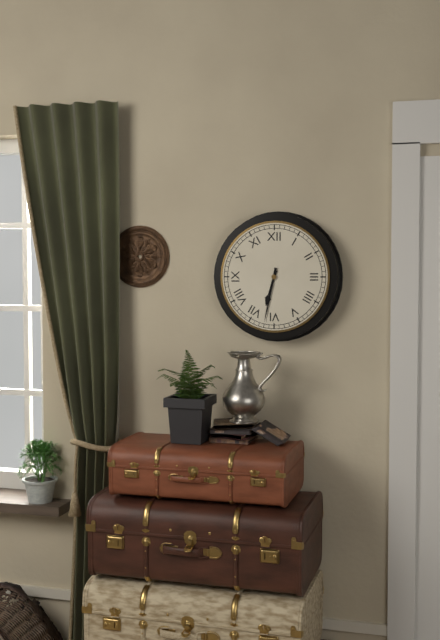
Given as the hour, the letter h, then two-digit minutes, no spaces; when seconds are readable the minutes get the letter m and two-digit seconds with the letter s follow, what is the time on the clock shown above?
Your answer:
6h32
